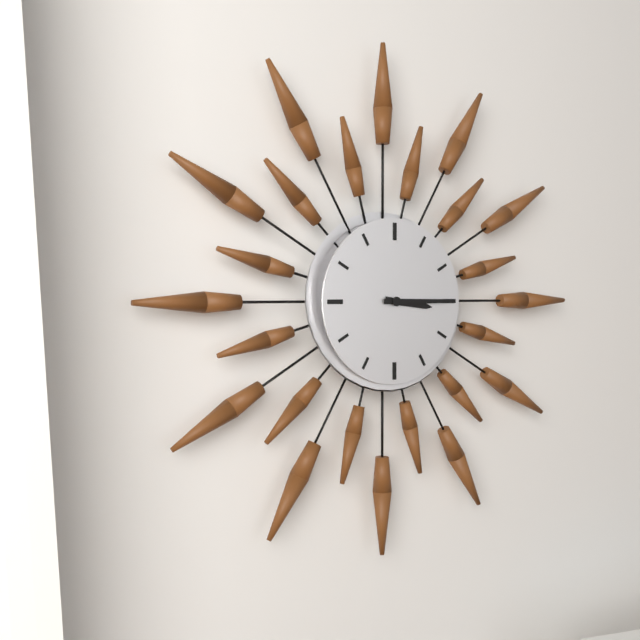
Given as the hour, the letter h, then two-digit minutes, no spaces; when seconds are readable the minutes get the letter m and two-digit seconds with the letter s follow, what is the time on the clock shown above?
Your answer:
3h15
